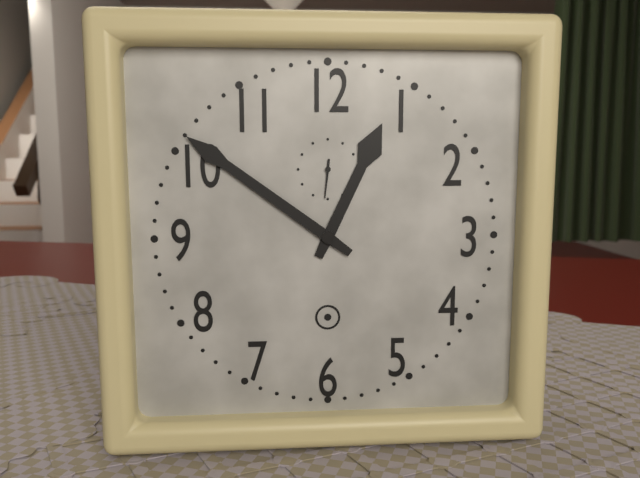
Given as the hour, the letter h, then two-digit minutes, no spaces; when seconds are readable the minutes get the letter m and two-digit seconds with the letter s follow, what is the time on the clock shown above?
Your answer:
12h51
